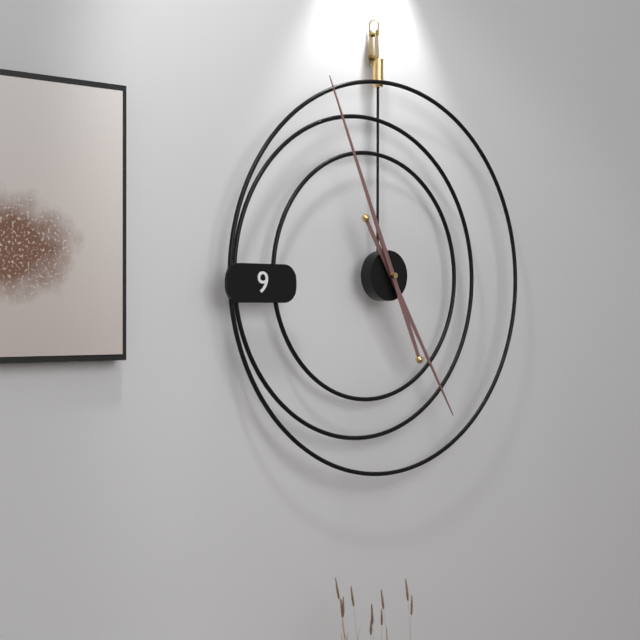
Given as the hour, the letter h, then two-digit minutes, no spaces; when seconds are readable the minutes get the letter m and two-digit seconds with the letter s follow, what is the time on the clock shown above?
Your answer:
4h56
